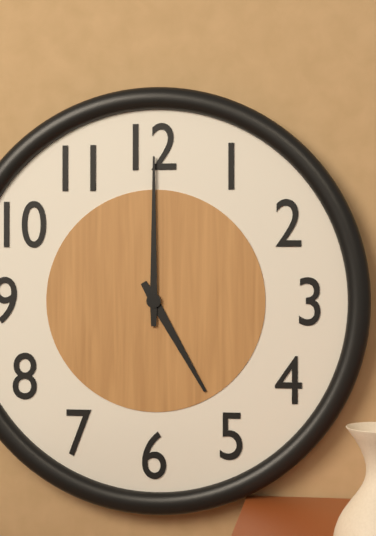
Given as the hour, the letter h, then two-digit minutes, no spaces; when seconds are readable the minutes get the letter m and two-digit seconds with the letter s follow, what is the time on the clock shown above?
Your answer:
5h00
